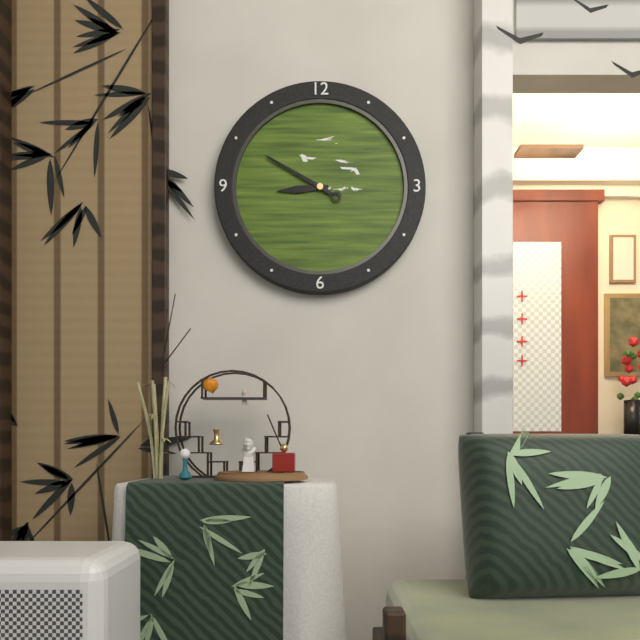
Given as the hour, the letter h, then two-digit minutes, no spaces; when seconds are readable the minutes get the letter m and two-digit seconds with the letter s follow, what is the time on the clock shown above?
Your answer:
8h50
